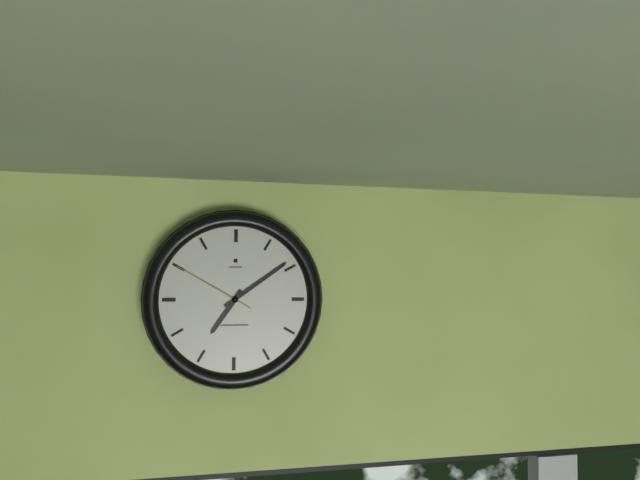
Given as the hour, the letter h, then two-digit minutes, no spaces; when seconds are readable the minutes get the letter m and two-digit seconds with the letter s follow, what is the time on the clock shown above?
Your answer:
7h09m50s
